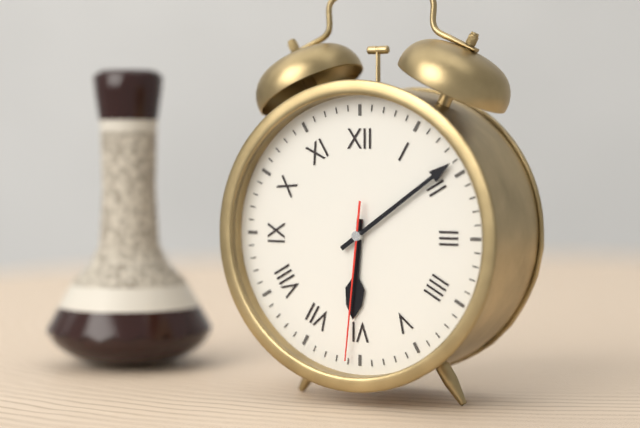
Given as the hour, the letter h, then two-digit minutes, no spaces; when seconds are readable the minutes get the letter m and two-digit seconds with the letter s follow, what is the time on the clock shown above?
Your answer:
6h09m31s
